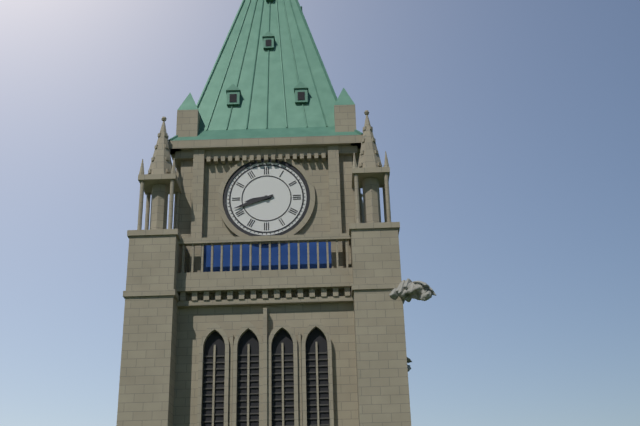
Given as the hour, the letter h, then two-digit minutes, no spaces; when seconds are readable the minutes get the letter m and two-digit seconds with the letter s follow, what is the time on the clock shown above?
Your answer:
8h42
